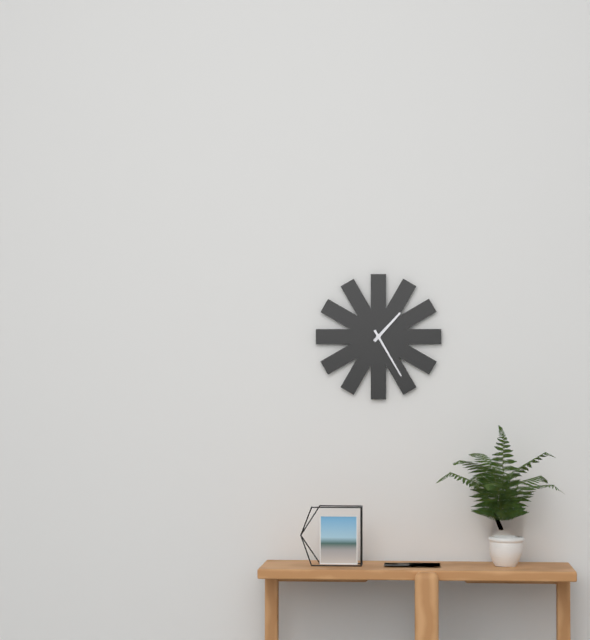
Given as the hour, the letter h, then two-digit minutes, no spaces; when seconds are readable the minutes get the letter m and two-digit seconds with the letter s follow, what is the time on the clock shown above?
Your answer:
1h25
